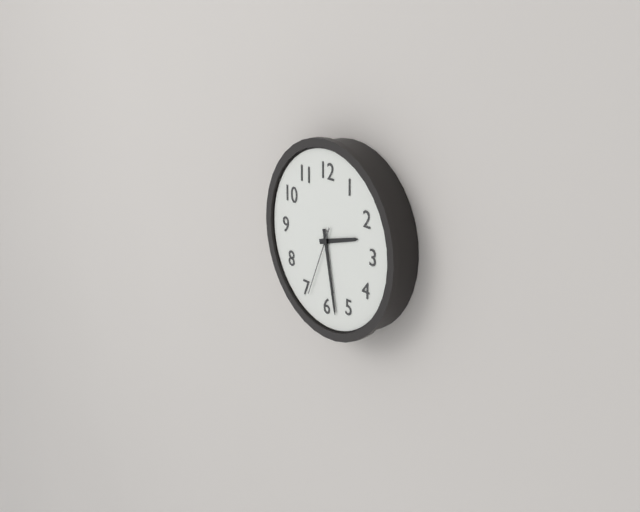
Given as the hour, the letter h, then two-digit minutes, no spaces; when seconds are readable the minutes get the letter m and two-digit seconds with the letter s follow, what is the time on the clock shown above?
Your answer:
2h28m34s
